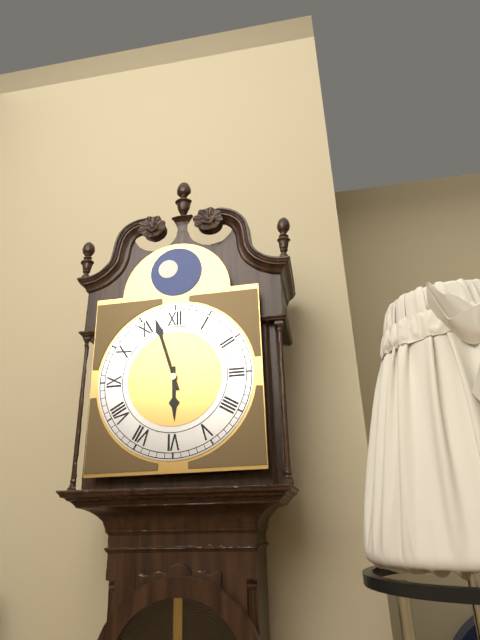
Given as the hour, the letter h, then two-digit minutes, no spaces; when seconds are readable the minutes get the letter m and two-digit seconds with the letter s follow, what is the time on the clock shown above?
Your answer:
5h57
